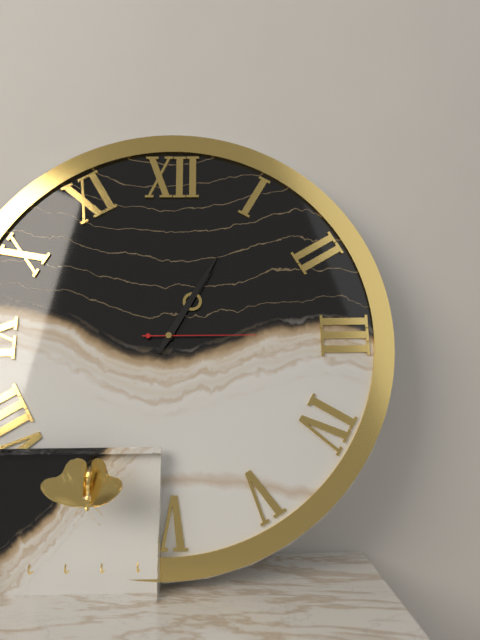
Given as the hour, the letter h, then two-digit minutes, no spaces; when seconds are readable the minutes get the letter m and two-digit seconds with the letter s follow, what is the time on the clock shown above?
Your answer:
1h05m15s
